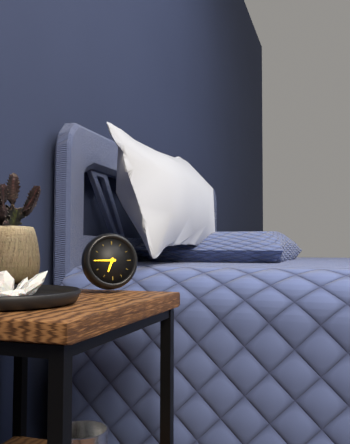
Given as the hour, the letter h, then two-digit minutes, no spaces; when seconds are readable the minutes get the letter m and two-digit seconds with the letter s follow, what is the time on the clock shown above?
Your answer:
6h45
